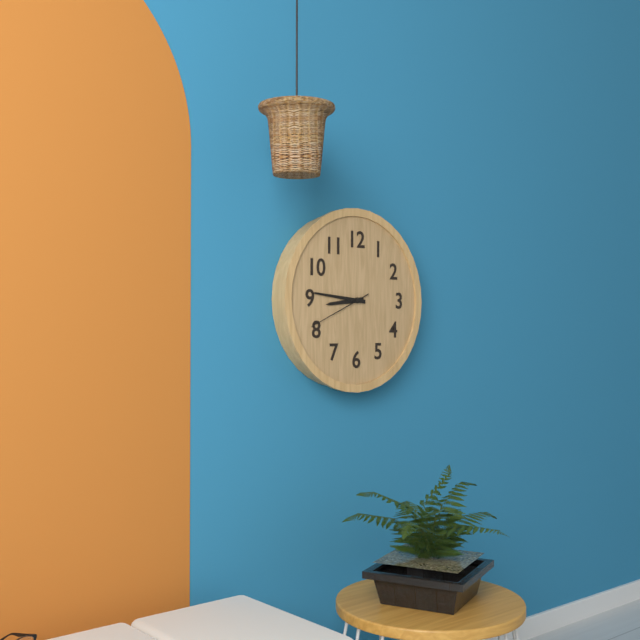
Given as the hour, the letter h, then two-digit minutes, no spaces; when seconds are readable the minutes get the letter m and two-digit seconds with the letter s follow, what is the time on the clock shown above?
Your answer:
8h46m41s
